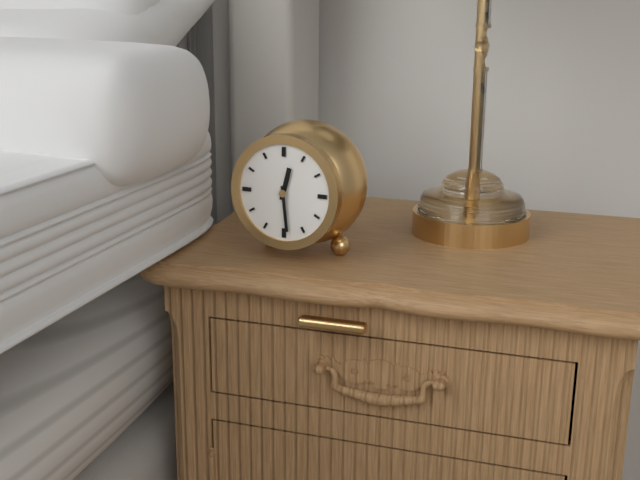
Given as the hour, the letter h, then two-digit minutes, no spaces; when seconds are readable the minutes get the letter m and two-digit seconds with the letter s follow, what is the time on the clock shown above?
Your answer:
12h29
